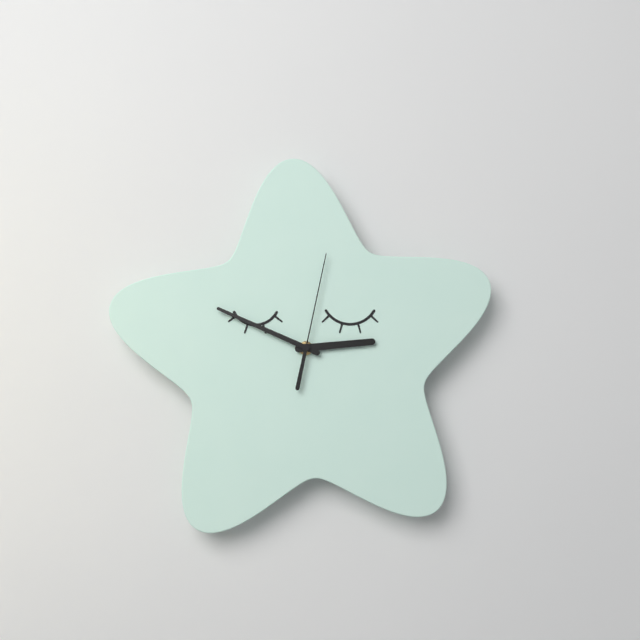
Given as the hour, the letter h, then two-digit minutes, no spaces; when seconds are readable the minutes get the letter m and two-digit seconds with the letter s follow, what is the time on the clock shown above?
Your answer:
2h49m02s
